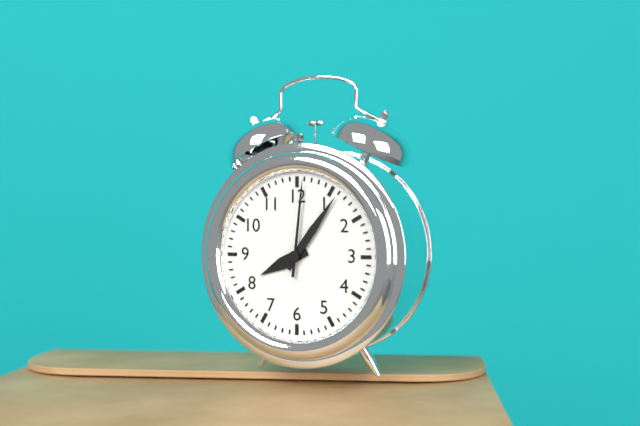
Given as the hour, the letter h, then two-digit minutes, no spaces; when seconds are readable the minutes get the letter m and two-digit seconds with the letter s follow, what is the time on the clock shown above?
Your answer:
8h06m01s
